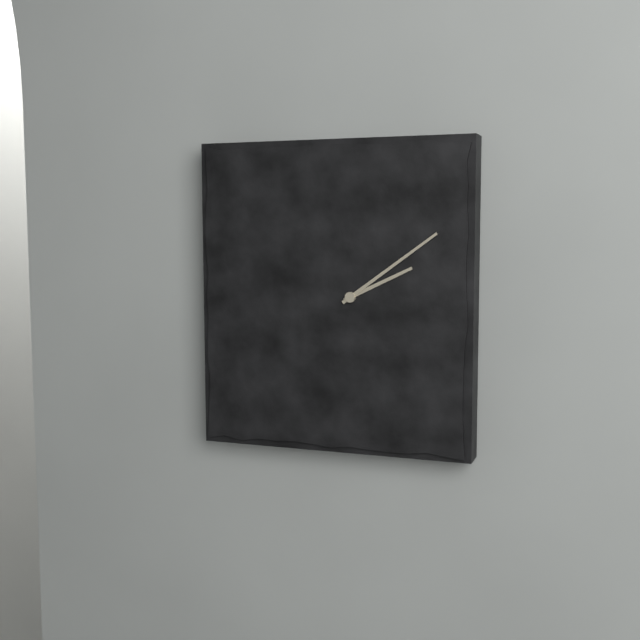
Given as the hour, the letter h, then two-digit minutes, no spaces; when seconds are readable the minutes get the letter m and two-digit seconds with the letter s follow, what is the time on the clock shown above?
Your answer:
2h09
